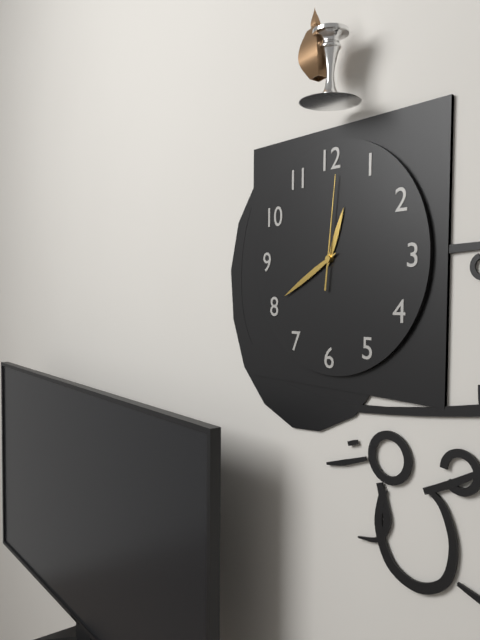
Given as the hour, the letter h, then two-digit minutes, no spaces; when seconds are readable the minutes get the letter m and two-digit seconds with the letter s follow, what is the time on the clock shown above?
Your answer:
12h40m01s
